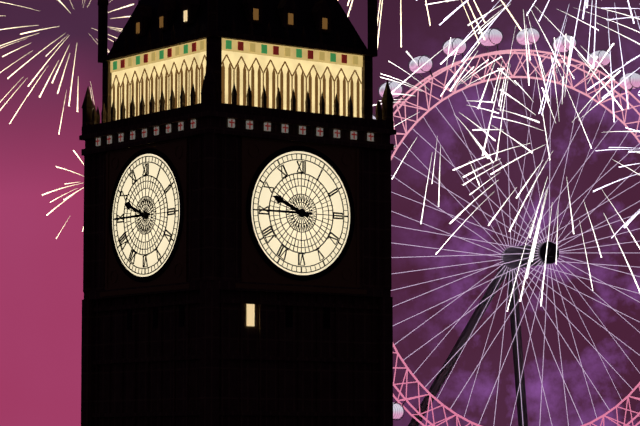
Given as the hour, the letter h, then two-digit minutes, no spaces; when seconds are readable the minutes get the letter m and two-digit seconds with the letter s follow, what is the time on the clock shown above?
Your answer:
9h45
